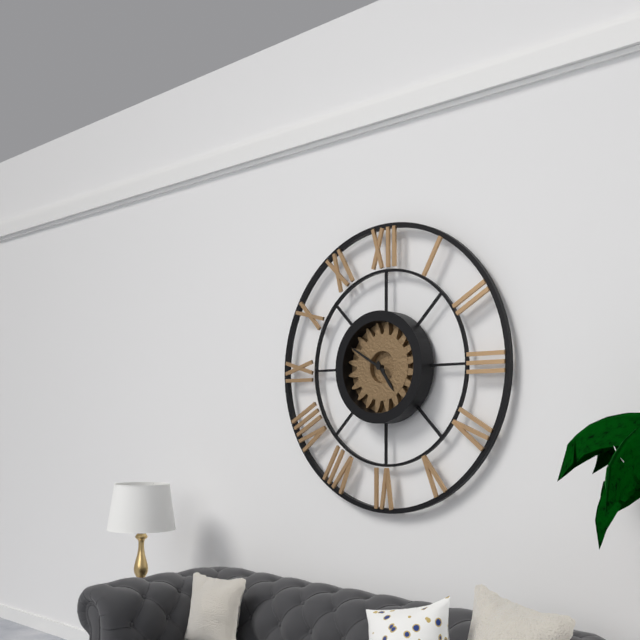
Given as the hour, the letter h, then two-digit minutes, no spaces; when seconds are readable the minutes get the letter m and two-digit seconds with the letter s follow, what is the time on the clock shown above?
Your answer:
4h50
